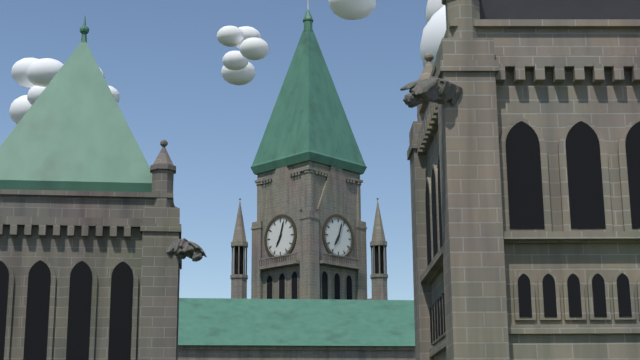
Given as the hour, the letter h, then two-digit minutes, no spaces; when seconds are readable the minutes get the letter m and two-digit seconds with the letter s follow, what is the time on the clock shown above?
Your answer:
7h03
